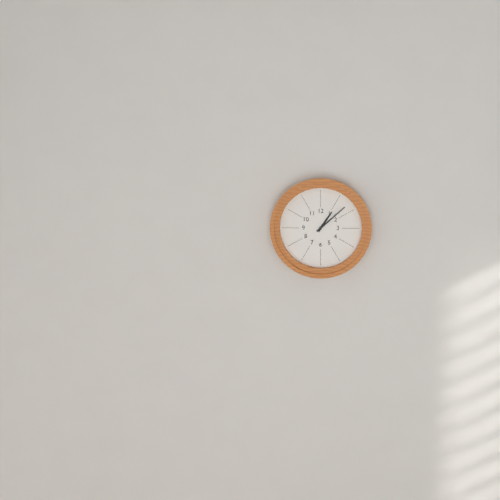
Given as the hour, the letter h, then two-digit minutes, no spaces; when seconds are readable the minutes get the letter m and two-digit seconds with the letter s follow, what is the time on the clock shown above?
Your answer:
1h08
